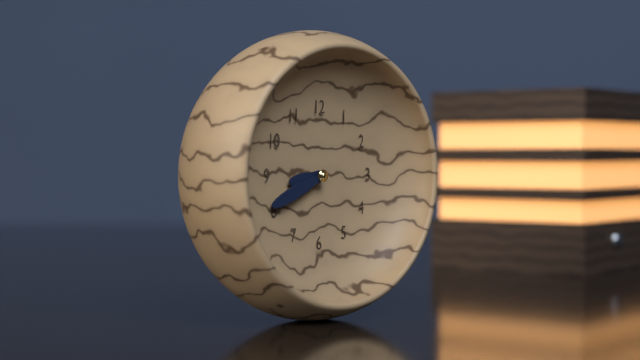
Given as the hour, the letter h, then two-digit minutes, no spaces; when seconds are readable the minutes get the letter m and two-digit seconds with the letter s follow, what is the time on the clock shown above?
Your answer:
8h41
